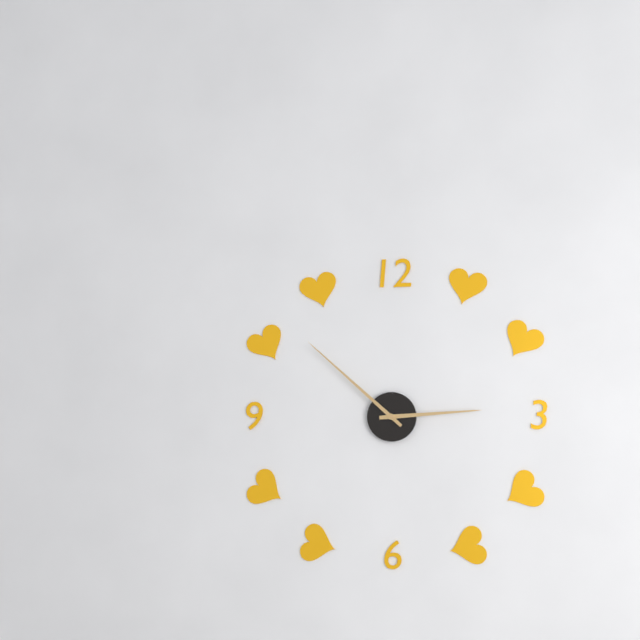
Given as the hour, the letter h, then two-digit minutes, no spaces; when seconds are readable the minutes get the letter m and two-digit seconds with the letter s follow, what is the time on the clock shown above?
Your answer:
2h52
